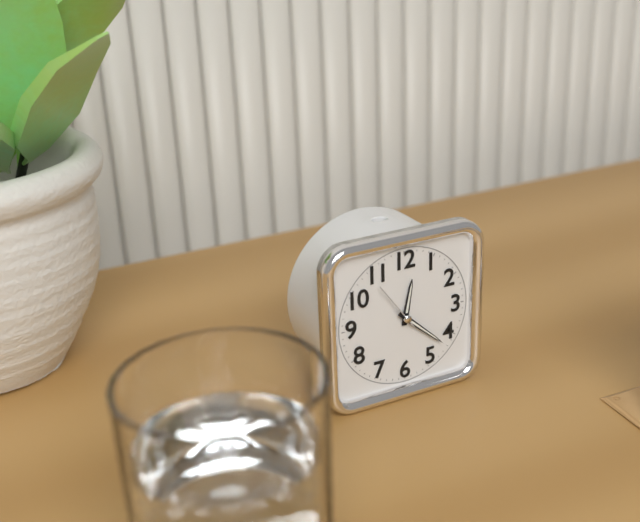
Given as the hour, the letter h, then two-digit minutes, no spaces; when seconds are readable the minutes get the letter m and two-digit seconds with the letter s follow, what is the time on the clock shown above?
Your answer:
12h22
